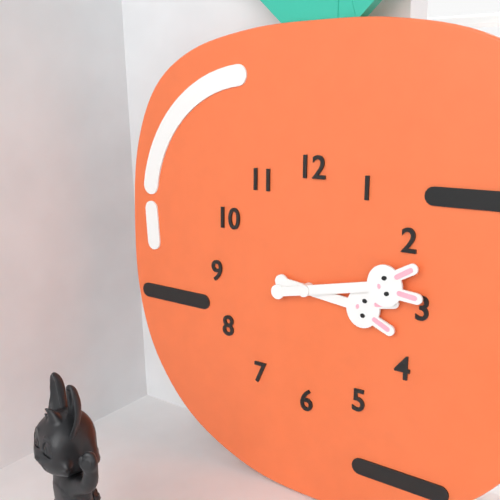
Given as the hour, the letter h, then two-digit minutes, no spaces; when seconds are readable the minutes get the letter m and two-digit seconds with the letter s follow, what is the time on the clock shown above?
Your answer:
3h13
